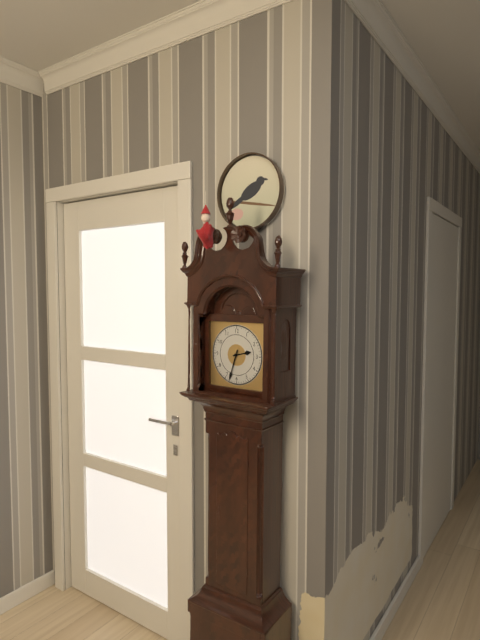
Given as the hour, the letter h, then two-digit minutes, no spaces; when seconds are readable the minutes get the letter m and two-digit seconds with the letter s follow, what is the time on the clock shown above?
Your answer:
2h33
